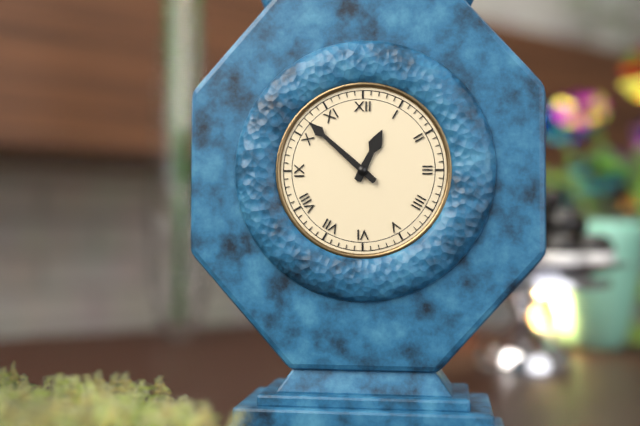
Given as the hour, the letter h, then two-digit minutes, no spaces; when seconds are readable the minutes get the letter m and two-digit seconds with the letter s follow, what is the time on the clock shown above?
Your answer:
12h52
